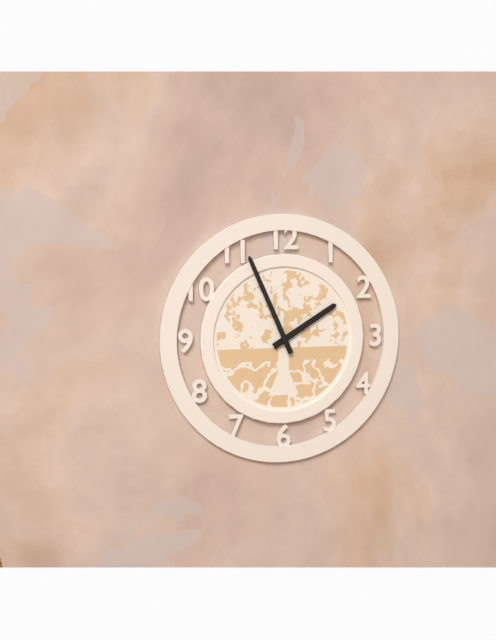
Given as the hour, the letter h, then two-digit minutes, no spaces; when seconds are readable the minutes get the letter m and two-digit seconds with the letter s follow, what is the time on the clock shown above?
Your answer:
1h56
